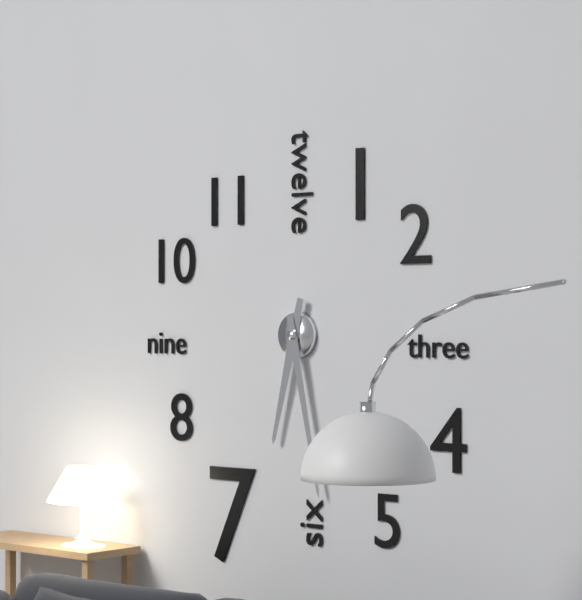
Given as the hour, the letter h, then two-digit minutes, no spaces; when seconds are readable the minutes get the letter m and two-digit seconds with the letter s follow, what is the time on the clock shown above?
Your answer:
6h28
